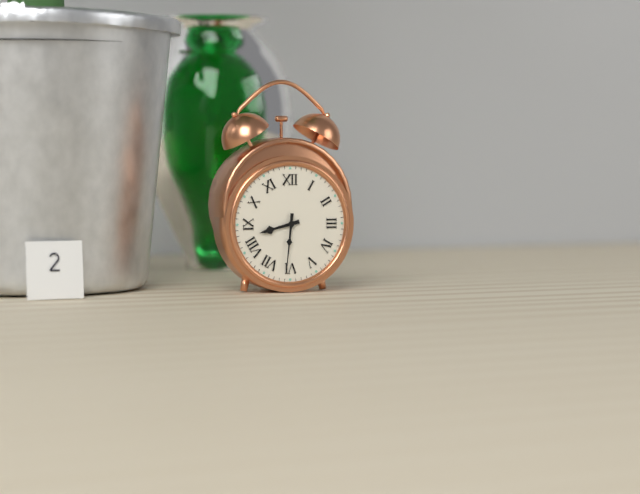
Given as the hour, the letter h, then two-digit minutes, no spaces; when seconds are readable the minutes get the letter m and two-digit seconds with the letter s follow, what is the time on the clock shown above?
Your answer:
8h31
